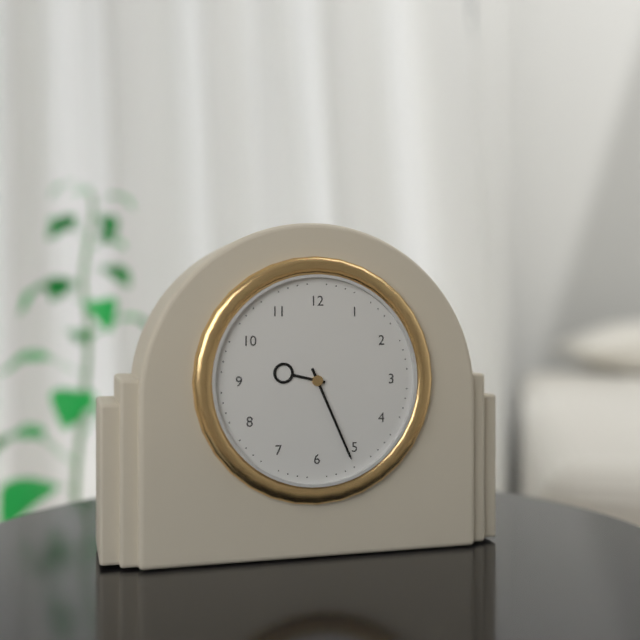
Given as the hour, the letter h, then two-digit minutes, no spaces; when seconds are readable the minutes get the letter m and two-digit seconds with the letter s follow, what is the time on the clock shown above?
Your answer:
9h26
